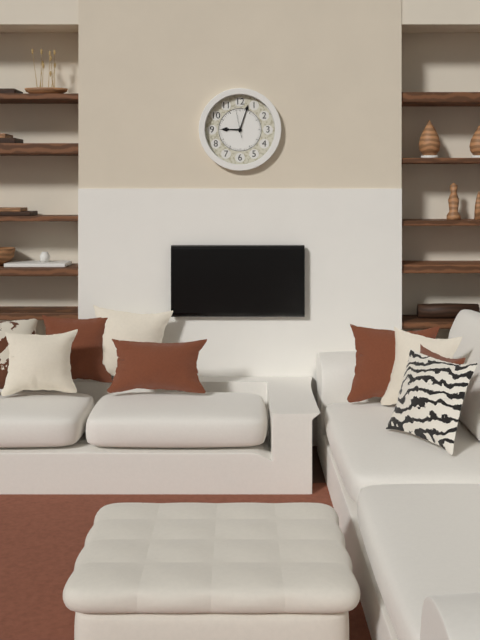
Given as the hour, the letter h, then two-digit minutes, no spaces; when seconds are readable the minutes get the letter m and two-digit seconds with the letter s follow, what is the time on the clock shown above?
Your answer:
9h03
